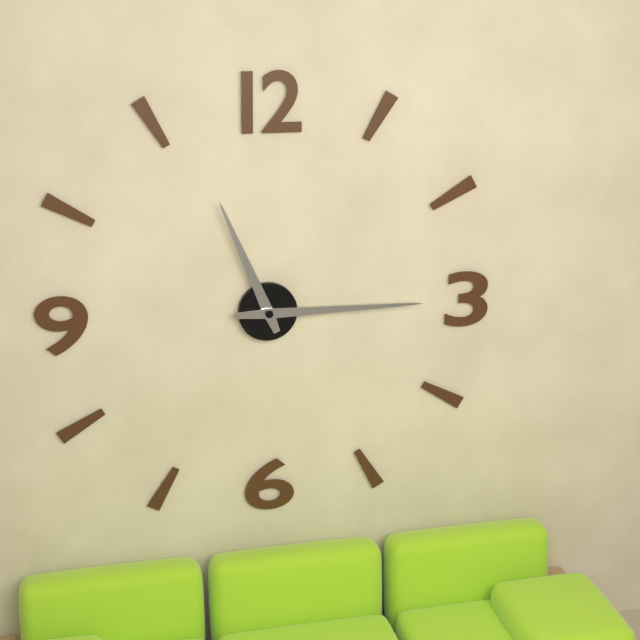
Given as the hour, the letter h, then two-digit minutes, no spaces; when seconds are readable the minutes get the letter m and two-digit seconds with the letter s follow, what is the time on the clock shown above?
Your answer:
11h15
